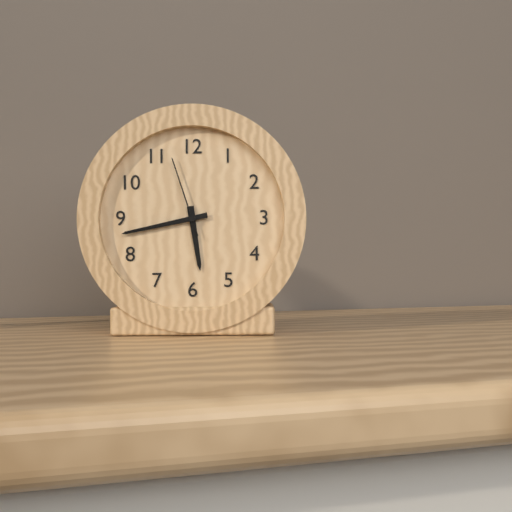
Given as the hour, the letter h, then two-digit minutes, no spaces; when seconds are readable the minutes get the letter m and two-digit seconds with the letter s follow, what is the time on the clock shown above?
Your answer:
5h43m57s
